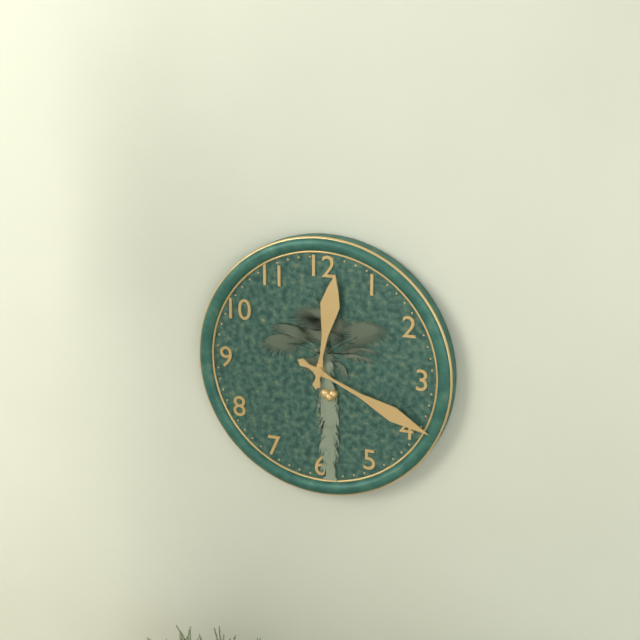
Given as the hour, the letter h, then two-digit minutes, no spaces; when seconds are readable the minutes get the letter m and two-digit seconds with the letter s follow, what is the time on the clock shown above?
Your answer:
12h19
